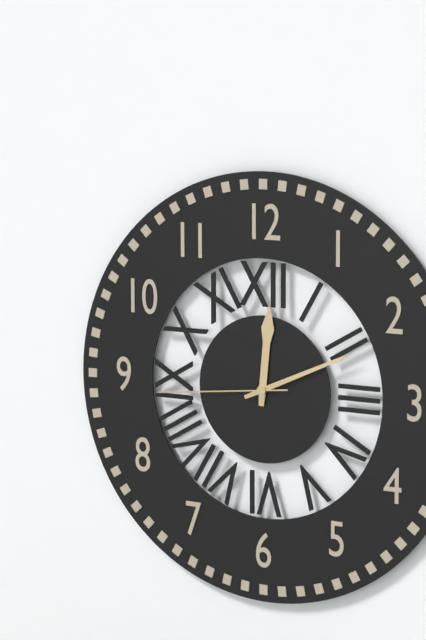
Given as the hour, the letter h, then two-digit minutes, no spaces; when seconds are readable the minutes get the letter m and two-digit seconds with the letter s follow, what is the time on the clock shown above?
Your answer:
12h11m44s
